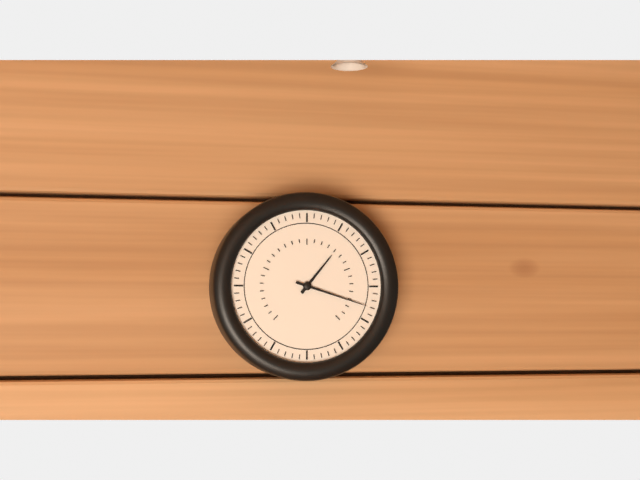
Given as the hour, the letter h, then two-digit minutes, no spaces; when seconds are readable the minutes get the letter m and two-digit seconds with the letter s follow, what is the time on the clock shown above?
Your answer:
1h18
